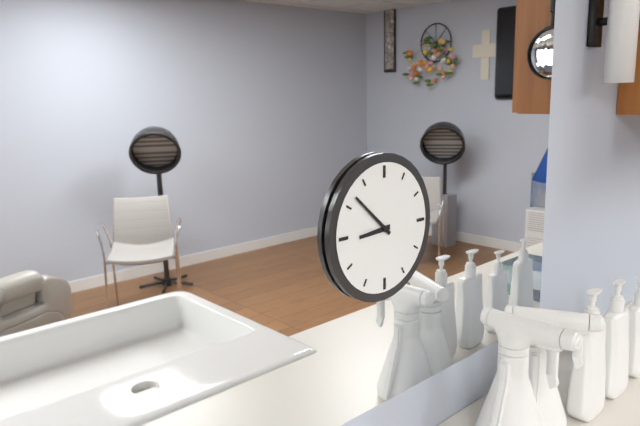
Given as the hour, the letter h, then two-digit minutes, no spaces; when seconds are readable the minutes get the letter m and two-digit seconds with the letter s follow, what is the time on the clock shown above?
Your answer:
8h52
